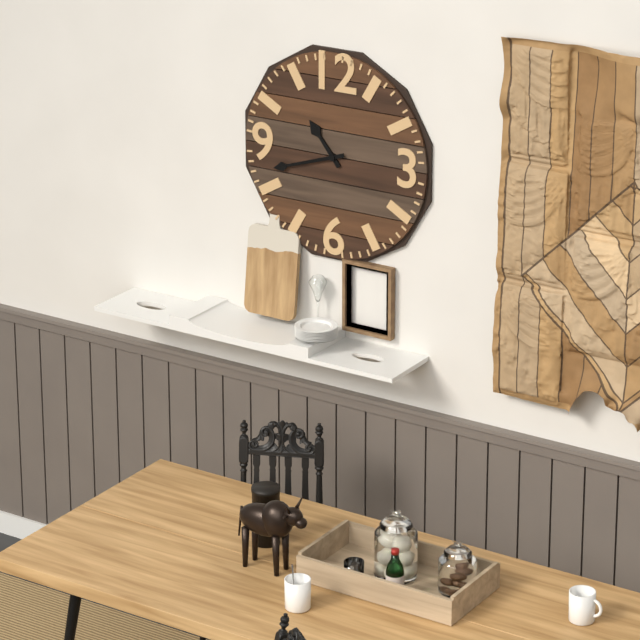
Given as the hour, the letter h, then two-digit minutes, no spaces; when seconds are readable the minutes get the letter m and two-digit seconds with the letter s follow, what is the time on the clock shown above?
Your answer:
10h42
